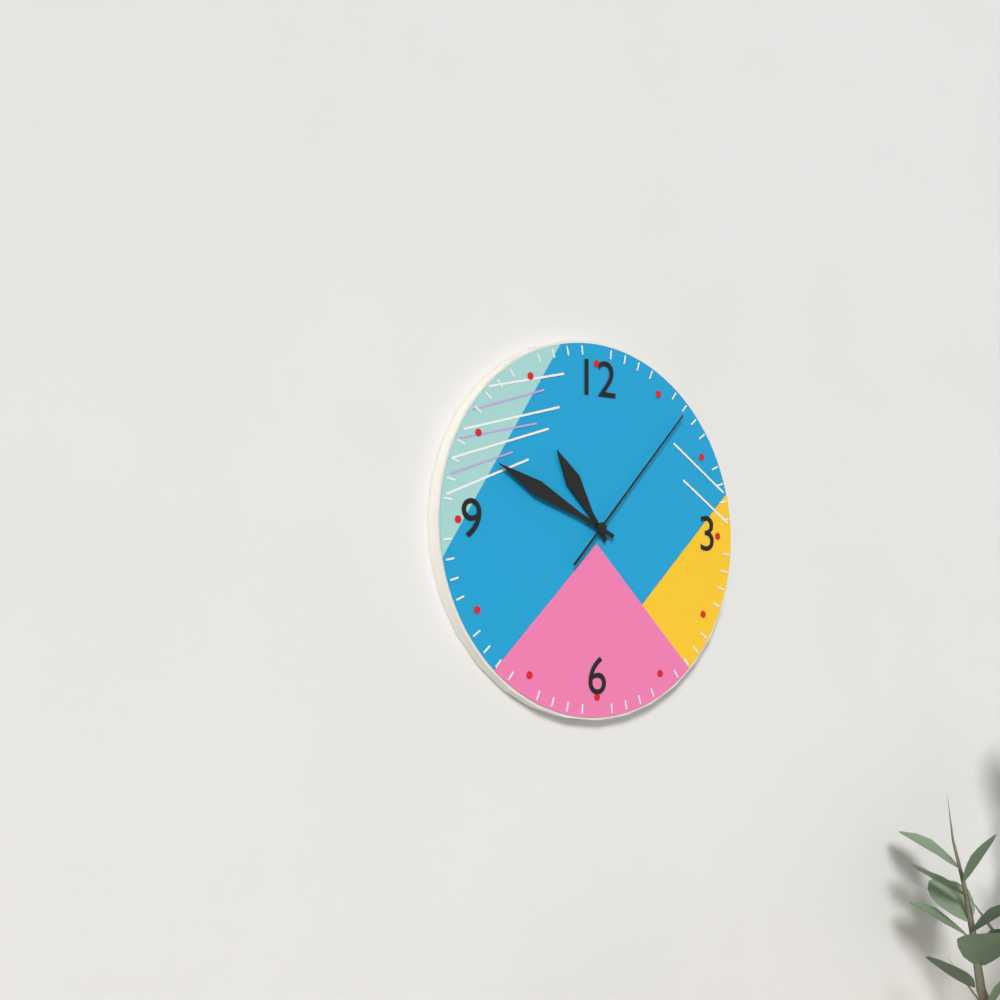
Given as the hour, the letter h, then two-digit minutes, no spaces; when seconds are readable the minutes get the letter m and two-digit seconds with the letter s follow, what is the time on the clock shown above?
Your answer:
10h49m07s
